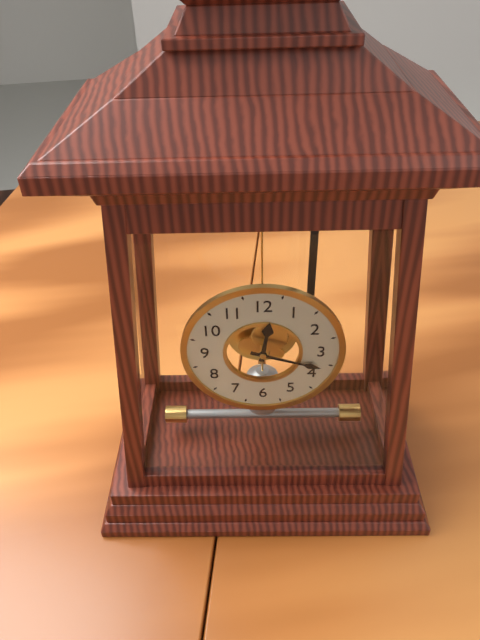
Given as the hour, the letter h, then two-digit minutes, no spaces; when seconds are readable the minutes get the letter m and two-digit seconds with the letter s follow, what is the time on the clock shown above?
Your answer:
12h18
